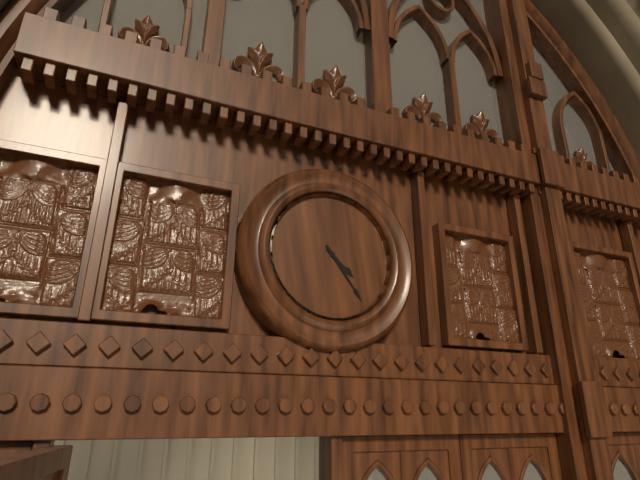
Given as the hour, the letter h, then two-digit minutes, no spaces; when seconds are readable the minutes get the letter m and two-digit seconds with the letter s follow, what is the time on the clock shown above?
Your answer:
4h24
